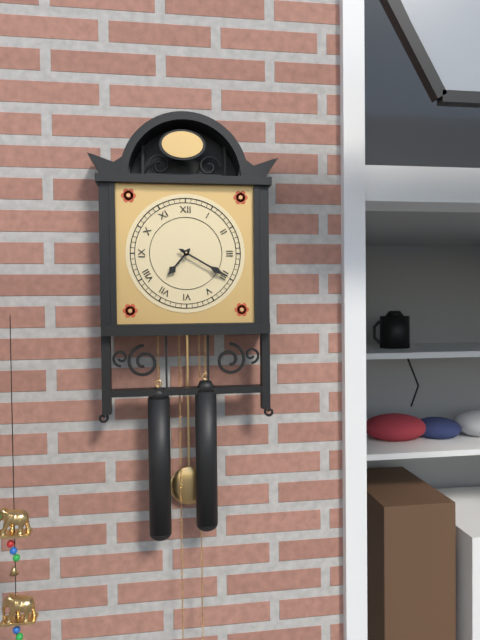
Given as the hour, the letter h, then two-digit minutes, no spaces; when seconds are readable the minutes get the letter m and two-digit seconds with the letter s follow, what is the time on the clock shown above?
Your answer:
7h20
